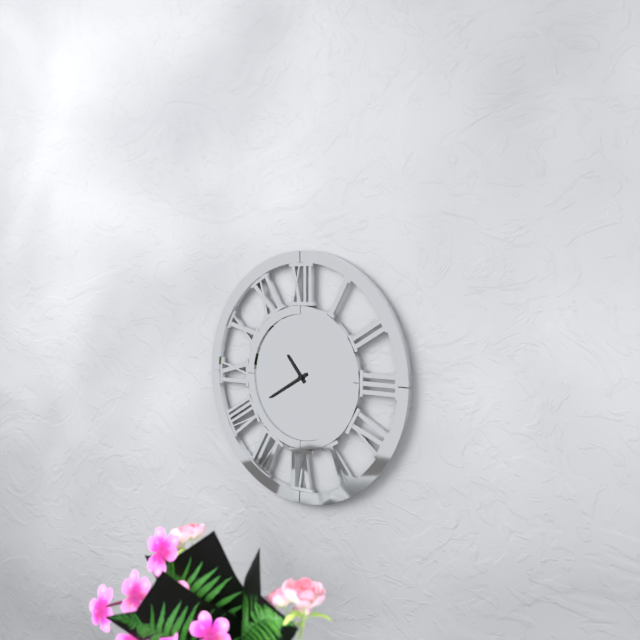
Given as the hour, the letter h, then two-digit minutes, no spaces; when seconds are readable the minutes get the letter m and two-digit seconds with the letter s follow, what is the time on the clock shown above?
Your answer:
10h40
